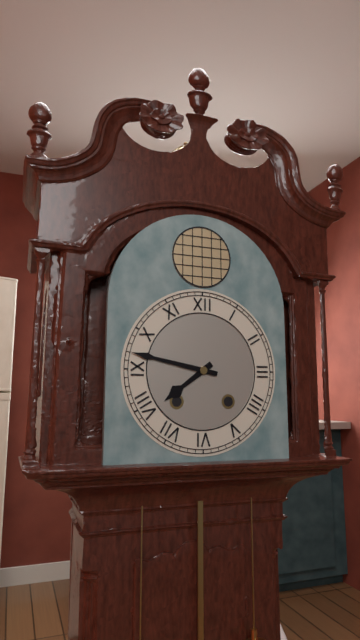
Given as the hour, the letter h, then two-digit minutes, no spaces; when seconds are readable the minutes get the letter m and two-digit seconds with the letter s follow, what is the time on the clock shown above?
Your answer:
7h47
